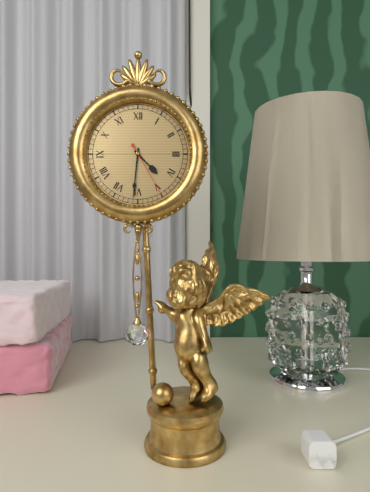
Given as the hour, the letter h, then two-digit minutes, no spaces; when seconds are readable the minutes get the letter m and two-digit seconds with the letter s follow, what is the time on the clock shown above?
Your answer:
4h31m25s
